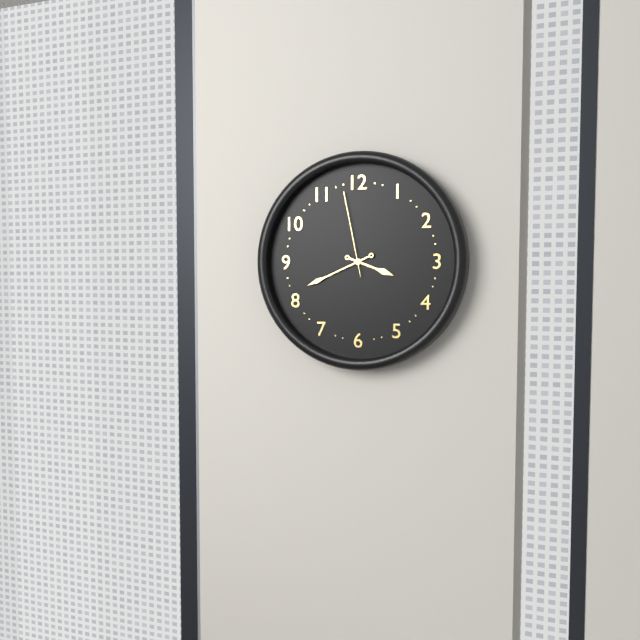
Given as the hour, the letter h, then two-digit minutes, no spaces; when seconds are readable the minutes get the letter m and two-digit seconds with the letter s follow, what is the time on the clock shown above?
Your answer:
3h41m58s
